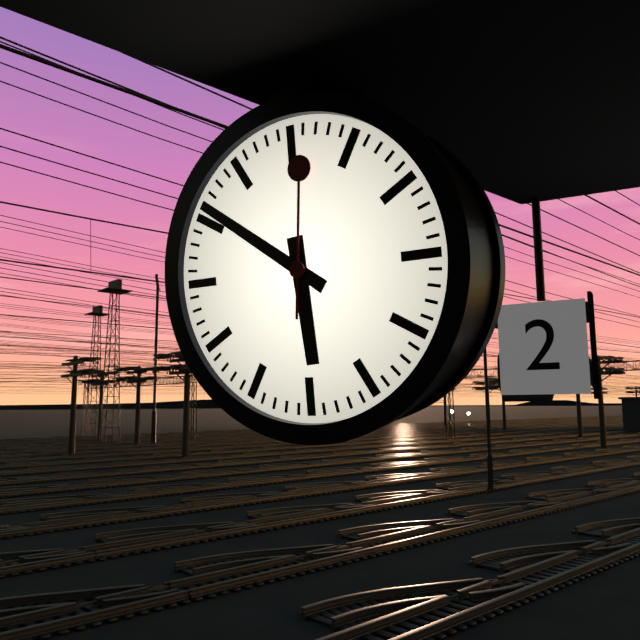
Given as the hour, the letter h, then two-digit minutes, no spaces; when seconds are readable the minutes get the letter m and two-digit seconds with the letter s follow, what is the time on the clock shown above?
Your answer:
5h51m01s
